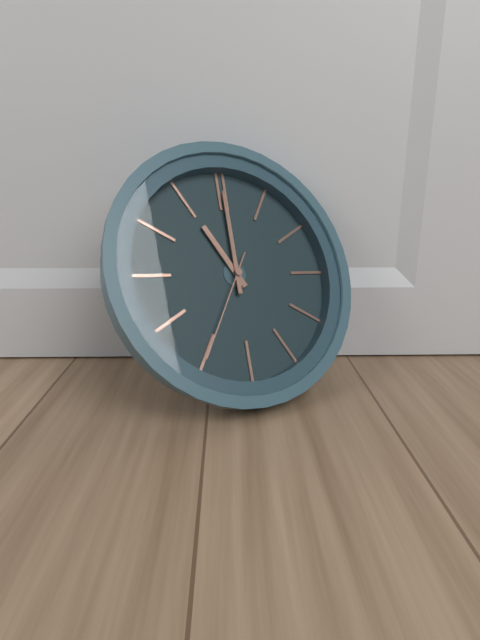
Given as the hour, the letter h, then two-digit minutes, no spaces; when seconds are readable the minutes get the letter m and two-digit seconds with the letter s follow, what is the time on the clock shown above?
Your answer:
11h00m35s
